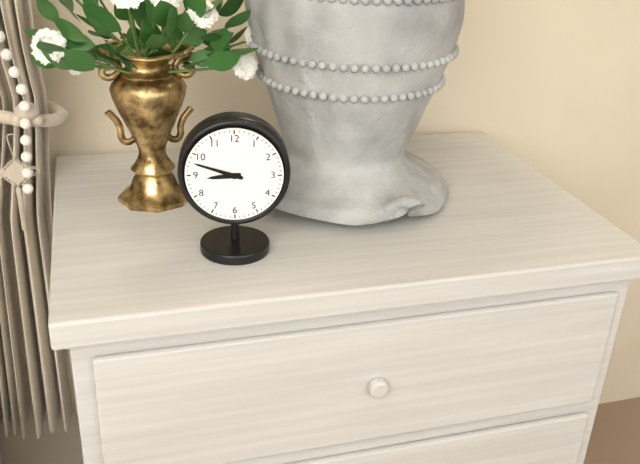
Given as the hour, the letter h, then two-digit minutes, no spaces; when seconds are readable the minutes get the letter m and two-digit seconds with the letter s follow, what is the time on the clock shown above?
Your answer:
8h48
